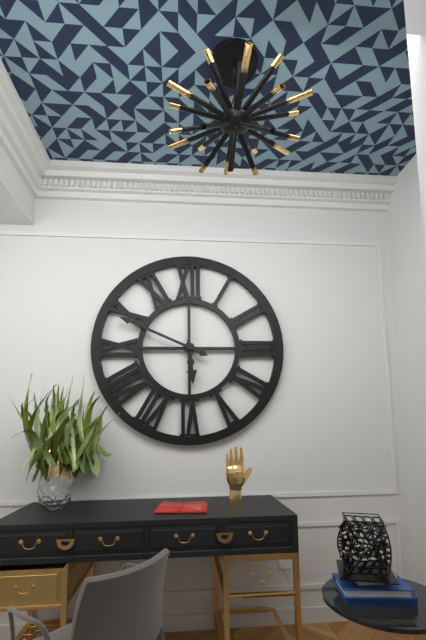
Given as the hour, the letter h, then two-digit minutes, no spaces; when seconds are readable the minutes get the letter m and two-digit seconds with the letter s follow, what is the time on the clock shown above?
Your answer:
5h49
